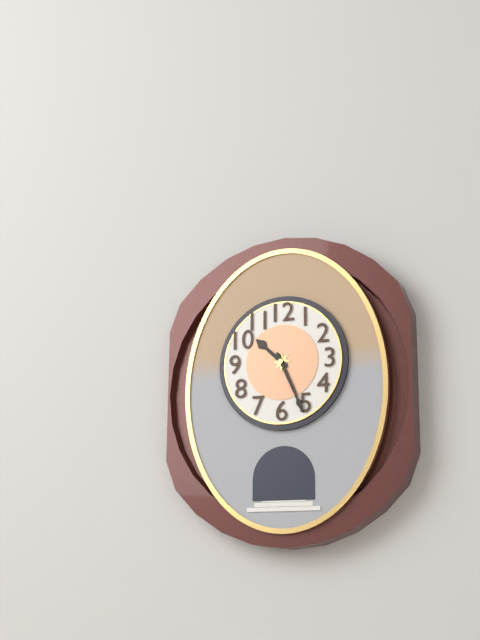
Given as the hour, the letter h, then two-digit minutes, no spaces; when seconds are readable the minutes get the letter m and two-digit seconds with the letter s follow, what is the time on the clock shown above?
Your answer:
10h26
